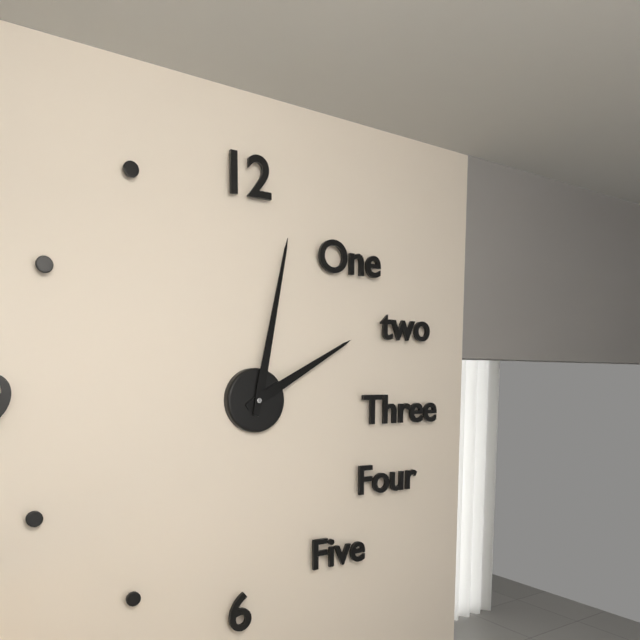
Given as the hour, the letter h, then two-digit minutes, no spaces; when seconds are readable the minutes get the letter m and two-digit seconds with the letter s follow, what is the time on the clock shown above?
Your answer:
2h02
